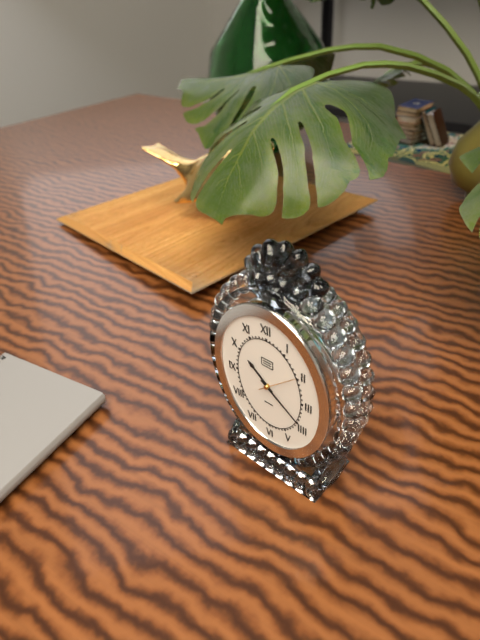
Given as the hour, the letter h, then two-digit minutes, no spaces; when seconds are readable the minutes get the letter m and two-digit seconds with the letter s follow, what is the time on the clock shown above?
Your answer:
10h21
